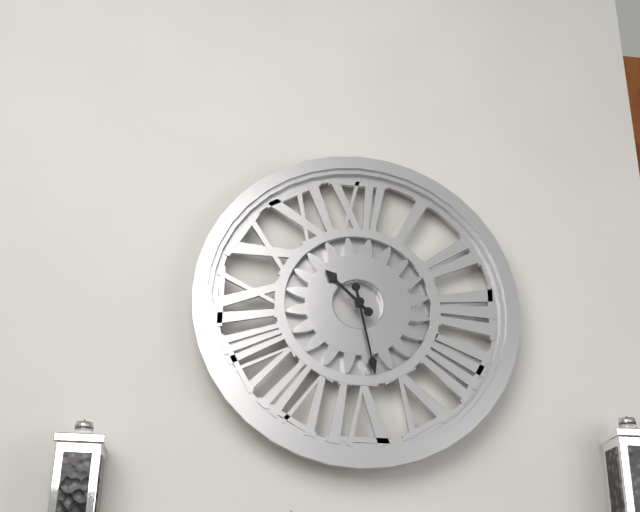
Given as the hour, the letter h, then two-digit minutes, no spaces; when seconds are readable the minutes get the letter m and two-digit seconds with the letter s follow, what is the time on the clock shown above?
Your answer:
10h28
